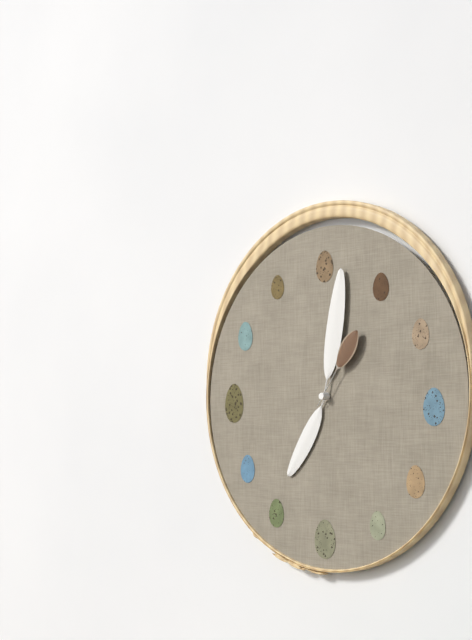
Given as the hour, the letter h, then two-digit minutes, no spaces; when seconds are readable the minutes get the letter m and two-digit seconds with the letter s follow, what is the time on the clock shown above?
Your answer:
7h02m06s
